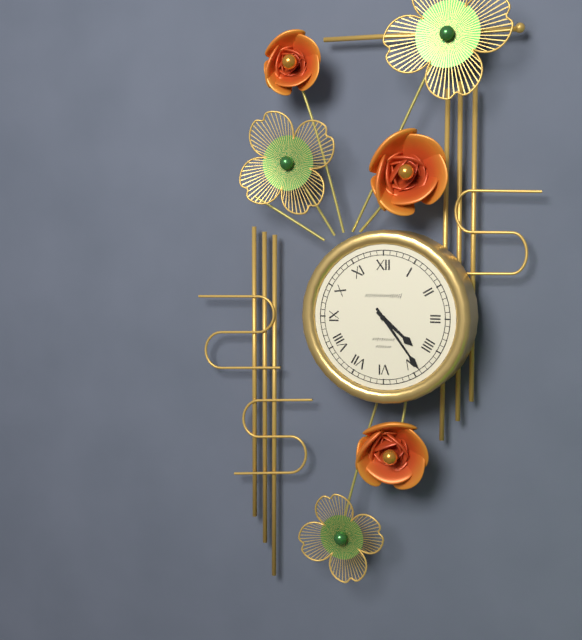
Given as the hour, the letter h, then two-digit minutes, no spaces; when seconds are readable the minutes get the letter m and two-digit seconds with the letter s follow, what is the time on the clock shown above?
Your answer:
4h24
